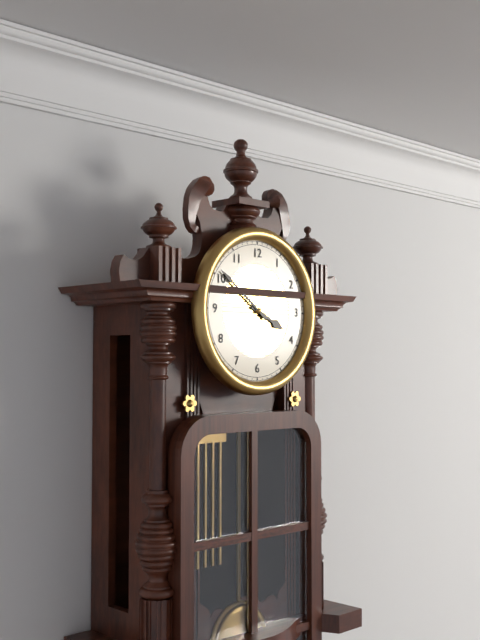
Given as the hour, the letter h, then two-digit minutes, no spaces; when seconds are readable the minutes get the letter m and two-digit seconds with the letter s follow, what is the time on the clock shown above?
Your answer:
3h51
